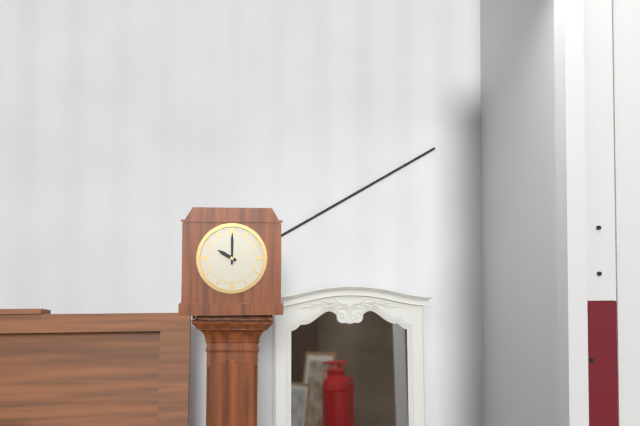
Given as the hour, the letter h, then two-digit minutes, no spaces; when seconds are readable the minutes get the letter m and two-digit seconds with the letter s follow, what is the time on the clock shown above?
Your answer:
10h00
